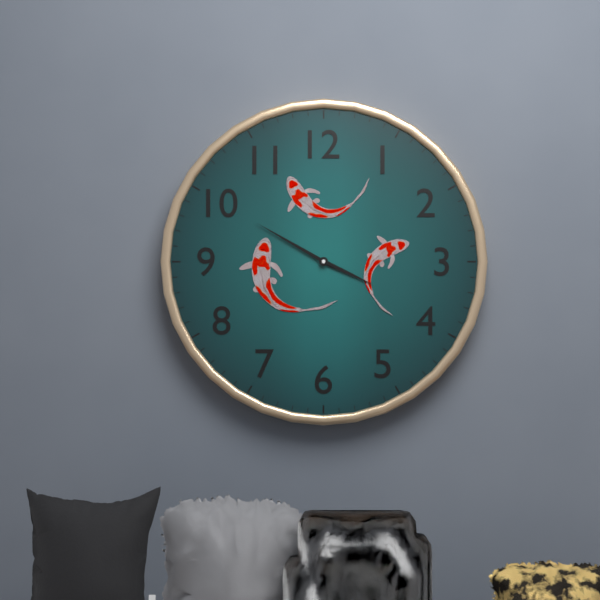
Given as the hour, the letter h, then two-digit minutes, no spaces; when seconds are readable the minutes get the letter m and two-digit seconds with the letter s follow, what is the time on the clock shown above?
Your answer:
3h50
